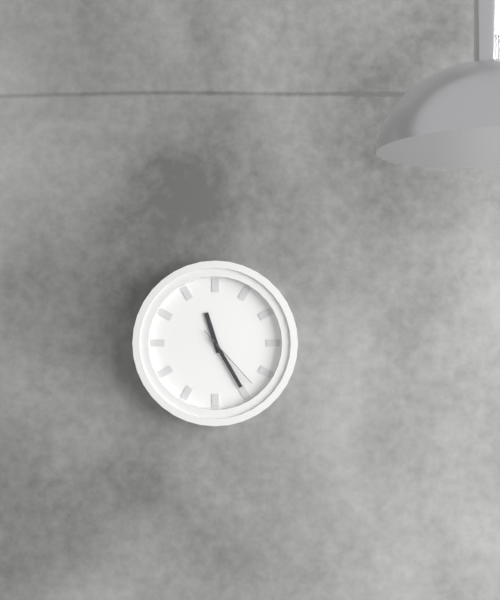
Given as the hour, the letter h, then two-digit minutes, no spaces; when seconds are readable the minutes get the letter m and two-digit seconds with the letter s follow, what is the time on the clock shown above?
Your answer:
11h25m23s
